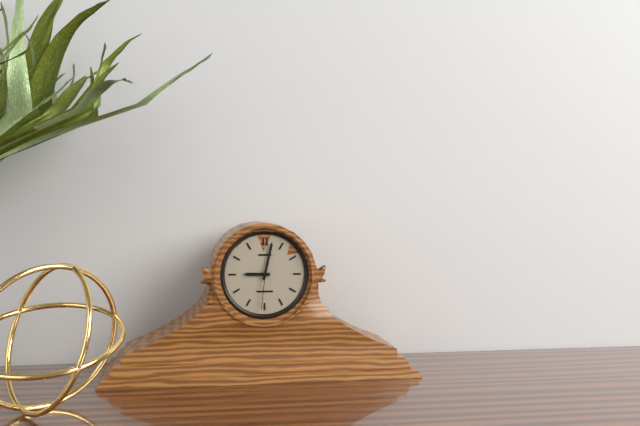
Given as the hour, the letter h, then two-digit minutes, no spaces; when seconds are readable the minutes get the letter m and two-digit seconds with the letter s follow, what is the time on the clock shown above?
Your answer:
9h02
